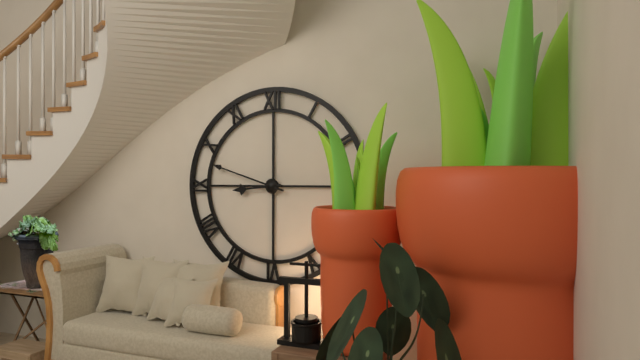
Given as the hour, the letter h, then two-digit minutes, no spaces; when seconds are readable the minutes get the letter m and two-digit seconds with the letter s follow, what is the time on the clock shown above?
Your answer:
8h48
